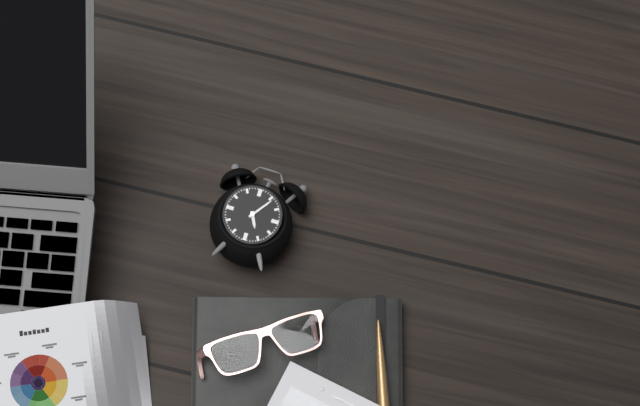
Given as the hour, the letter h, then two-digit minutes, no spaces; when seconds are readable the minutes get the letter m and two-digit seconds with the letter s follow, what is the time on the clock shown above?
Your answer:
5h06
